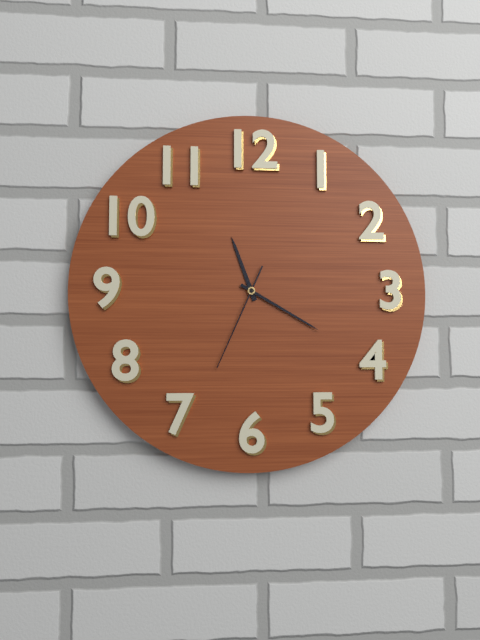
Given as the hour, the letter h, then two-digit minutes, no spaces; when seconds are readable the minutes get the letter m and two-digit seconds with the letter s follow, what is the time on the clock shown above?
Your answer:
11h20m34s
